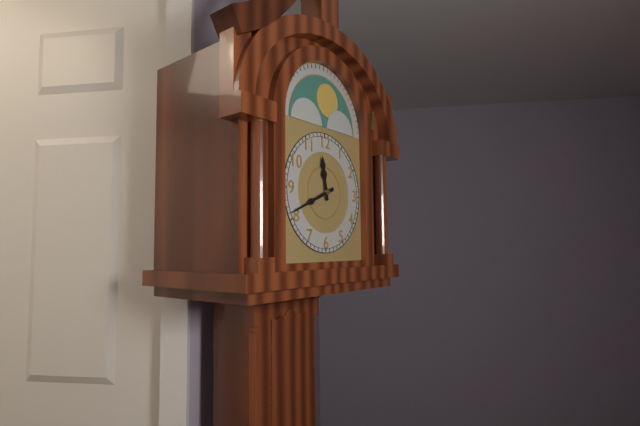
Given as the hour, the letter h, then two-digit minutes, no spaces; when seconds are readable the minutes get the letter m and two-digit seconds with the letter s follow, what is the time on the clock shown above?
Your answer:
11h41
